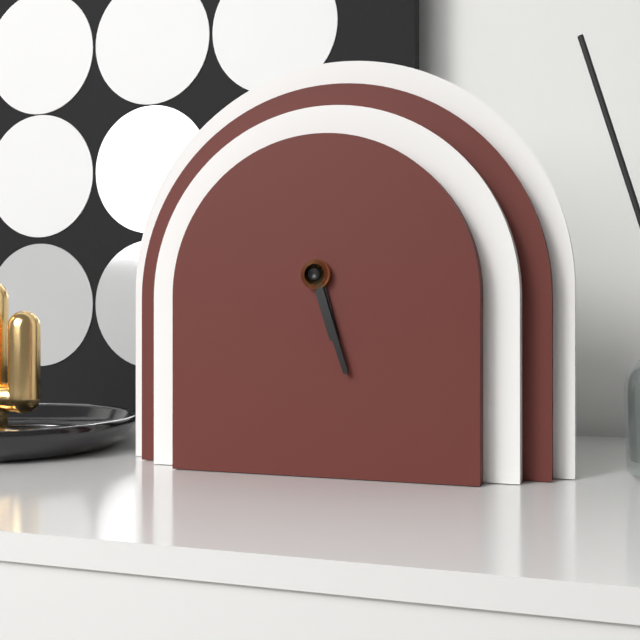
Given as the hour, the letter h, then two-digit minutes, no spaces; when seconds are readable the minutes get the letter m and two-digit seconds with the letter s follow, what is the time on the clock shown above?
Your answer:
5h27
